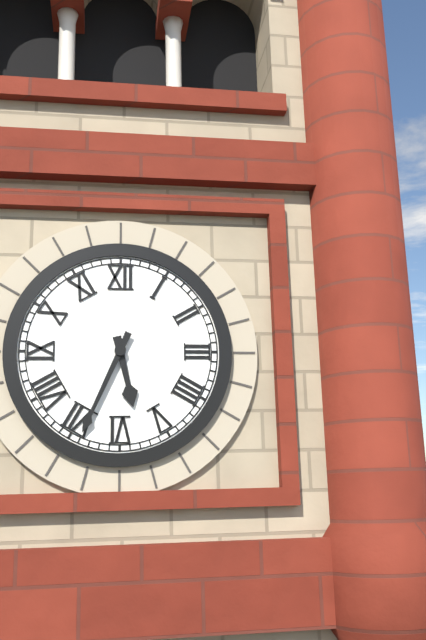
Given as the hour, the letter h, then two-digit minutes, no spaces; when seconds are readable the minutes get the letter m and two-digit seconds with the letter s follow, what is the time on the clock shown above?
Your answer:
5h34
